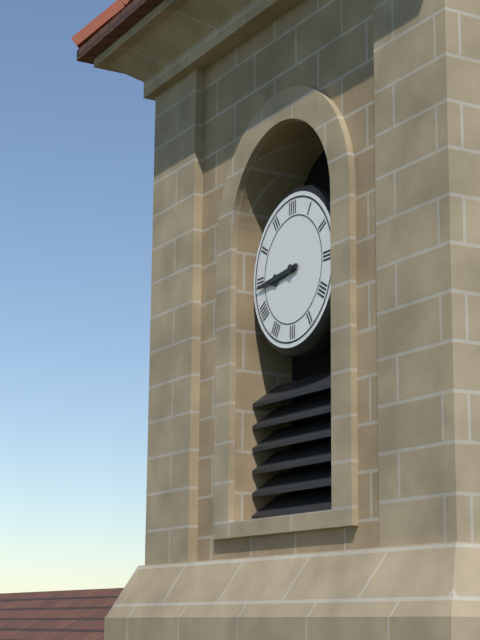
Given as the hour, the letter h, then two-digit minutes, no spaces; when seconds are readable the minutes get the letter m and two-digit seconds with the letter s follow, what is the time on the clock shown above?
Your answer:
8h44
